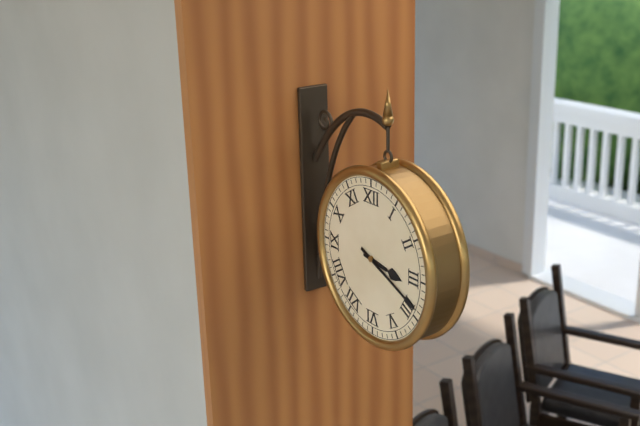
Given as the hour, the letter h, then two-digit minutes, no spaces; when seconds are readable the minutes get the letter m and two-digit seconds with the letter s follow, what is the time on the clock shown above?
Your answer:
3h19
